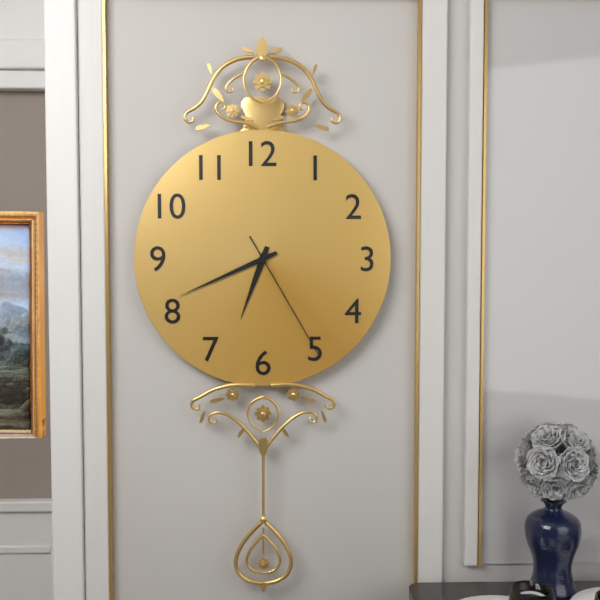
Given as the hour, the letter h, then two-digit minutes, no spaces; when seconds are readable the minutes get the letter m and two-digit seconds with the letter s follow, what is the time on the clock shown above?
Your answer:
6h41m25s
